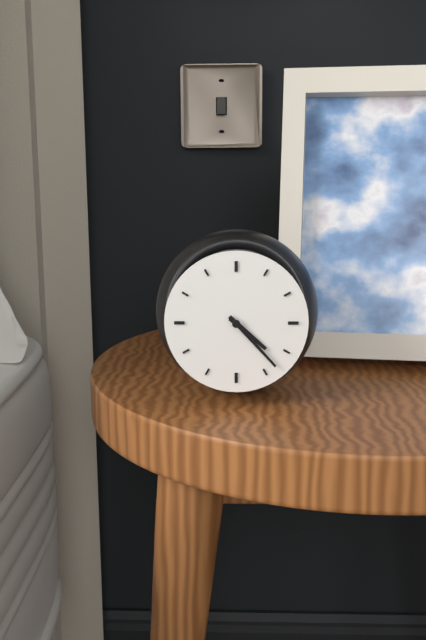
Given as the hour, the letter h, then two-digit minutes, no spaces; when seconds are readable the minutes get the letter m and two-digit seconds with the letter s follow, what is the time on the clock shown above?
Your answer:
4h23
